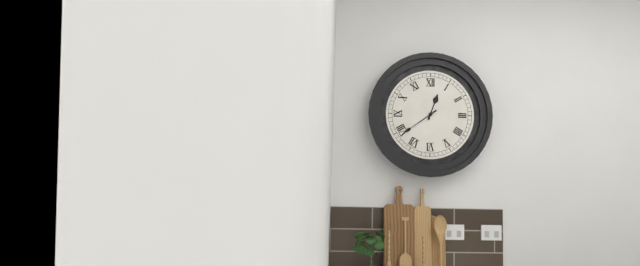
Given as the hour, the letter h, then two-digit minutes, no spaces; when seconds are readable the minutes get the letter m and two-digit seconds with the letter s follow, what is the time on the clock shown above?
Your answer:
12h39
